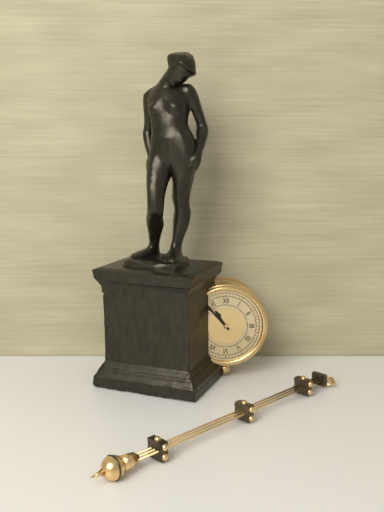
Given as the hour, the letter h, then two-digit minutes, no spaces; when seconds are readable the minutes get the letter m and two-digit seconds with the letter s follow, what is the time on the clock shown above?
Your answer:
10h53
